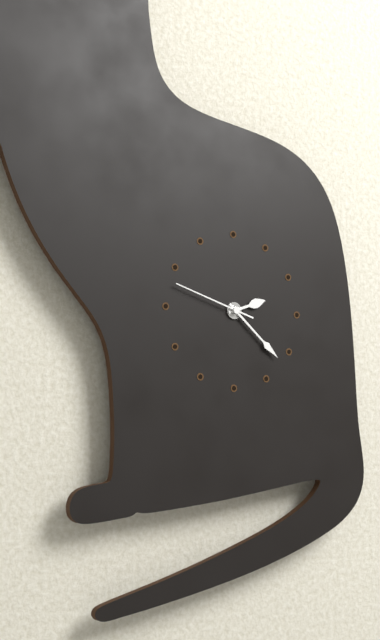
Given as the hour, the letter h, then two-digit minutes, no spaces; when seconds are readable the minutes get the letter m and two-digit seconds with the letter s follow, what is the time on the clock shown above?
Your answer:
2h22m48s
